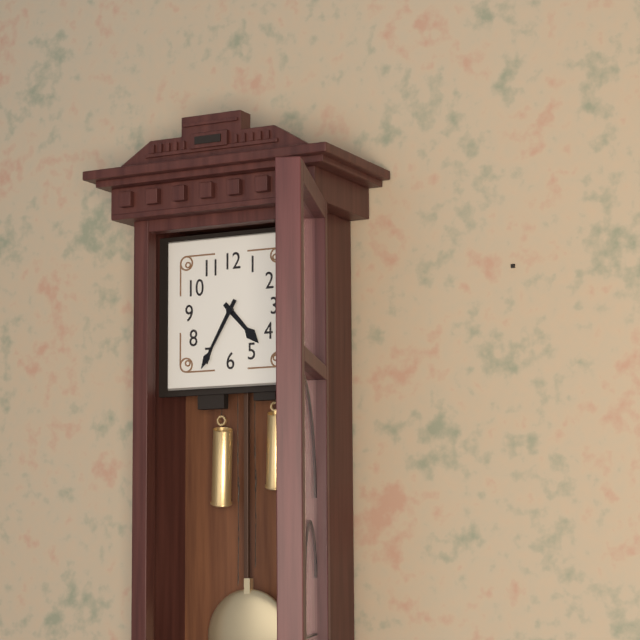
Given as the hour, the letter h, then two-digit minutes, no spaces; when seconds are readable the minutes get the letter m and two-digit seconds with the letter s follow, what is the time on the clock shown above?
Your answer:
4h35
